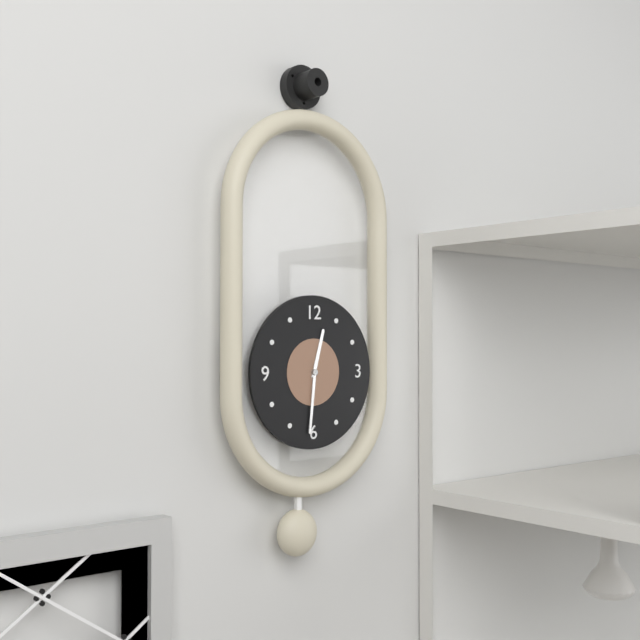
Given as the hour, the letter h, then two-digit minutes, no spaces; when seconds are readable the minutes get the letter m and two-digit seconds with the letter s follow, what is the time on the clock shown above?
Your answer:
12h31
